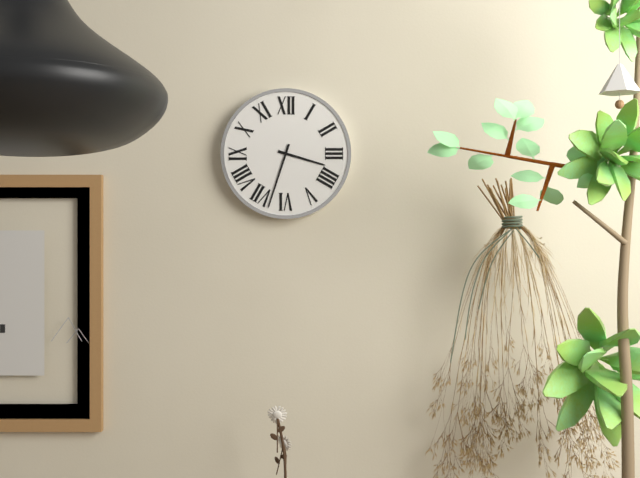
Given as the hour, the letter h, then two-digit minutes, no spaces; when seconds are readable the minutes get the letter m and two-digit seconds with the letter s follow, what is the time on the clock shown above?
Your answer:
3h33
